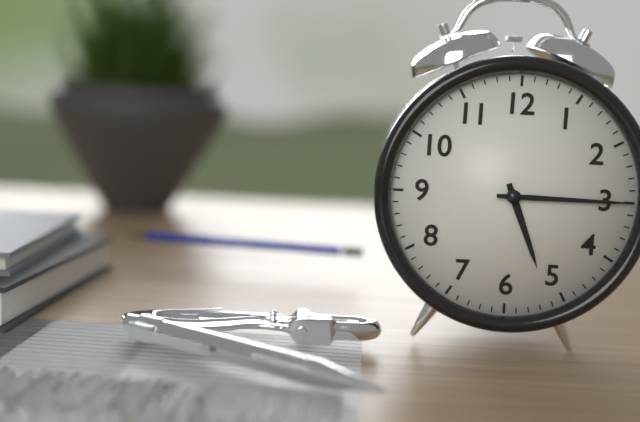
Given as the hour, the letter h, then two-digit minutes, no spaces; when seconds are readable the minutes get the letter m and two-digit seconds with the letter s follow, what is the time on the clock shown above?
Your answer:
5h15
